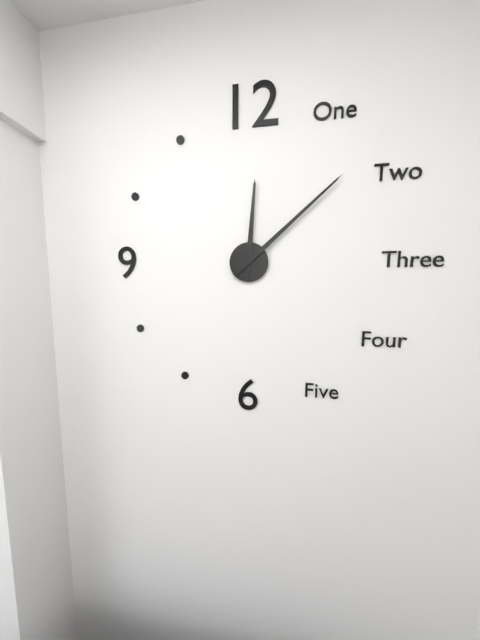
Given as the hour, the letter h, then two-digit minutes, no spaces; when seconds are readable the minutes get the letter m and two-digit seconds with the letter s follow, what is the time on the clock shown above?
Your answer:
12h08
